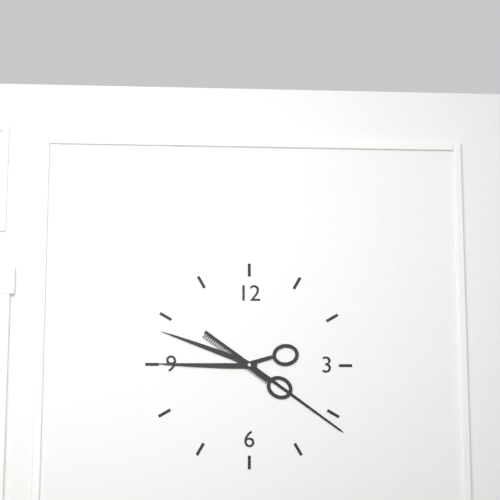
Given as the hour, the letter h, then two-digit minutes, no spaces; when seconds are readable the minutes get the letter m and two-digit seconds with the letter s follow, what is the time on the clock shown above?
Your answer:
9h21
